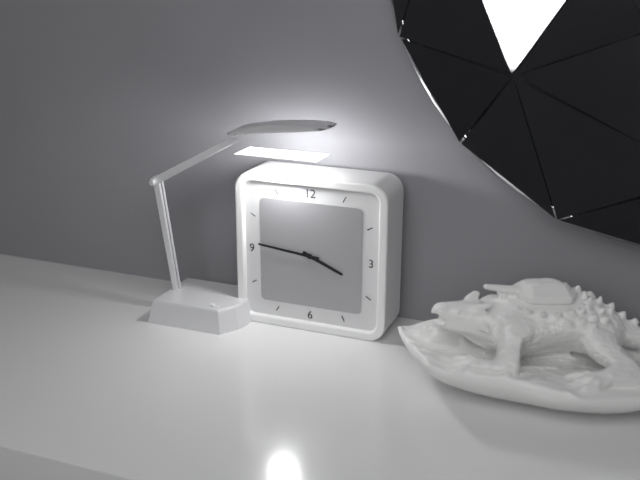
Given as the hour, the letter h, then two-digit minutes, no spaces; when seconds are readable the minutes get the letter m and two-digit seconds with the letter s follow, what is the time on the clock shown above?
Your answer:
3h46
